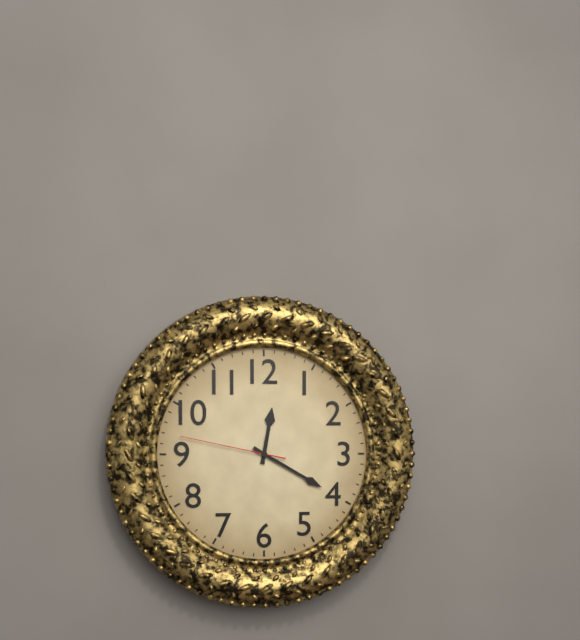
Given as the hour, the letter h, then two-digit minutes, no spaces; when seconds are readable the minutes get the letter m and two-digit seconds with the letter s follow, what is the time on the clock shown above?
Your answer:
12h20m47s
